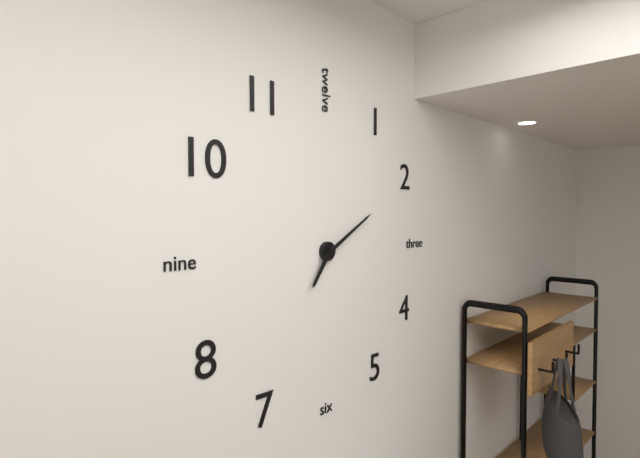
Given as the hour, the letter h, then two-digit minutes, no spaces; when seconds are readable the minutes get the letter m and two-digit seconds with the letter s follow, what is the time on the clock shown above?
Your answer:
7h10
